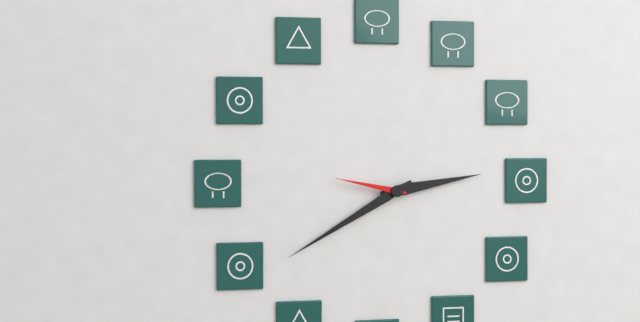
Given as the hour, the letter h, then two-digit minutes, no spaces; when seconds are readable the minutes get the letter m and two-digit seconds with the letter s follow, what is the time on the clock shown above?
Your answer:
2h40m47s
